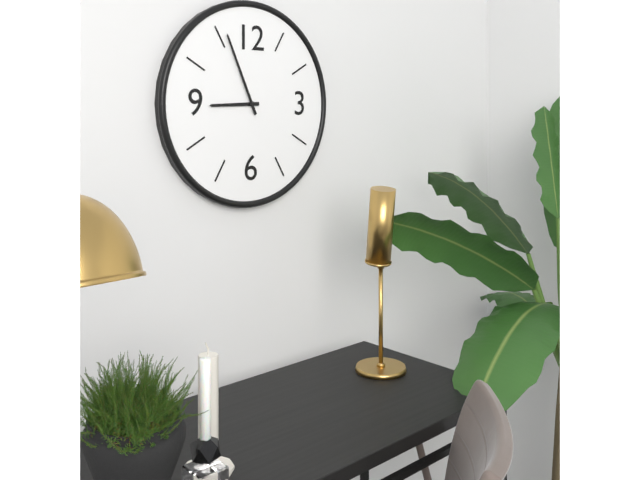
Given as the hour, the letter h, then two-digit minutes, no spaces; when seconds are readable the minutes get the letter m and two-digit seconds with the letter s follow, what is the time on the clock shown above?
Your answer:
8h56
